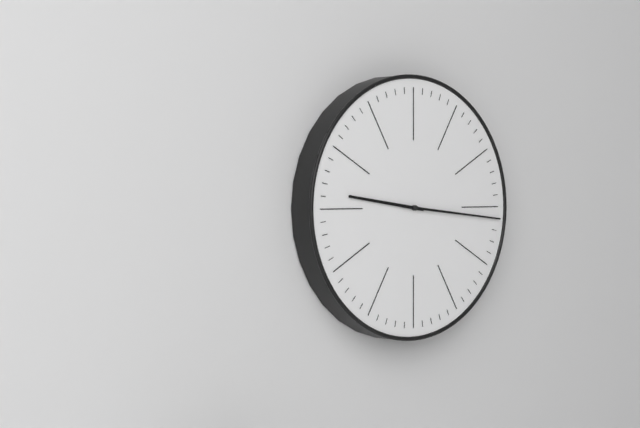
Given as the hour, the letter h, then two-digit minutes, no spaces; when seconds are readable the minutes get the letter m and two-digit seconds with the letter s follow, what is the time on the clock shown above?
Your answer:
9h16
